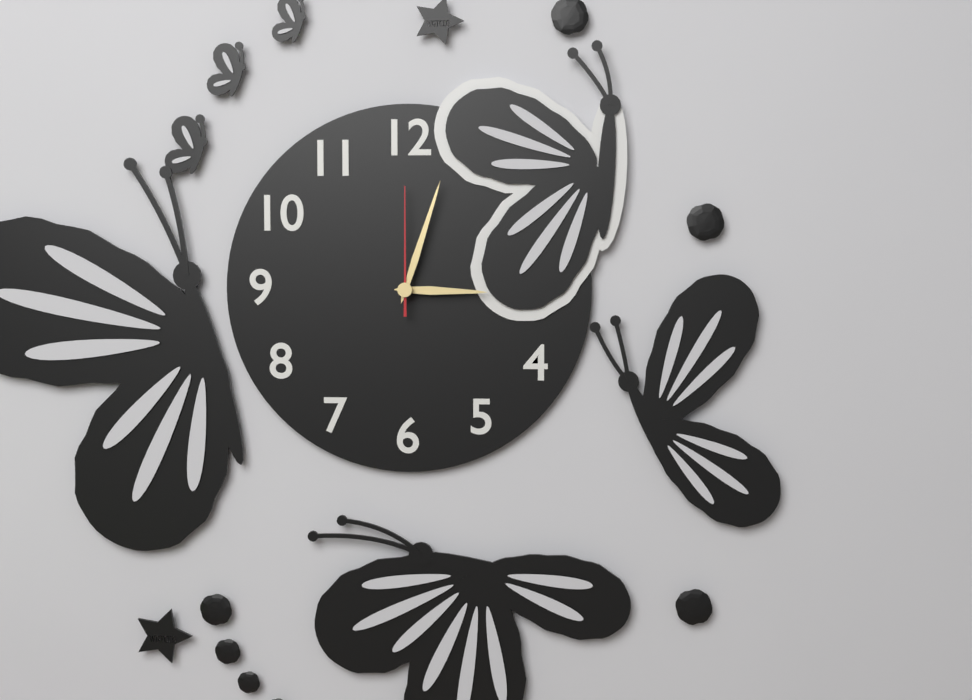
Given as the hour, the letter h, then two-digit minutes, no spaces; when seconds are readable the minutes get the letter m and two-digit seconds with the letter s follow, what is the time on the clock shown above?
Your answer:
3h03m00s
